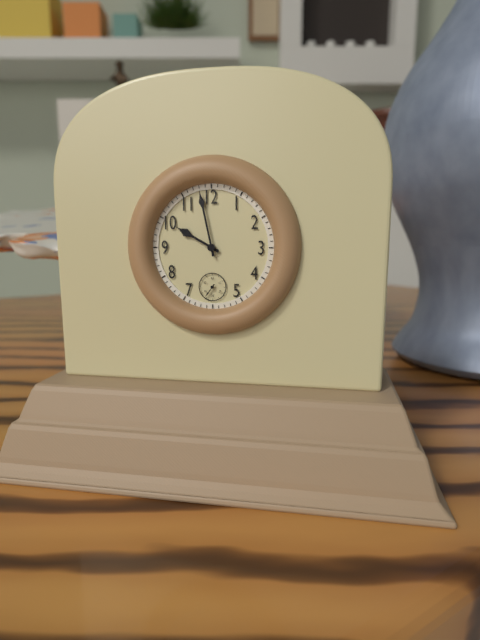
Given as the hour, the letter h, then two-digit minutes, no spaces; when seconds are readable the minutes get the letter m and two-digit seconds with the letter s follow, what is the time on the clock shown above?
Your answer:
9h58
